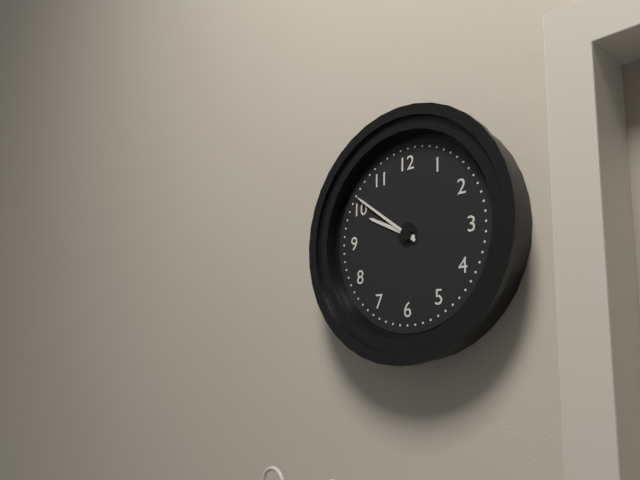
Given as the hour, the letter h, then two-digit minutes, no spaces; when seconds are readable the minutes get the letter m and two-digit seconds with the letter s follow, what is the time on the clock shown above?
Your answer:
9h51
